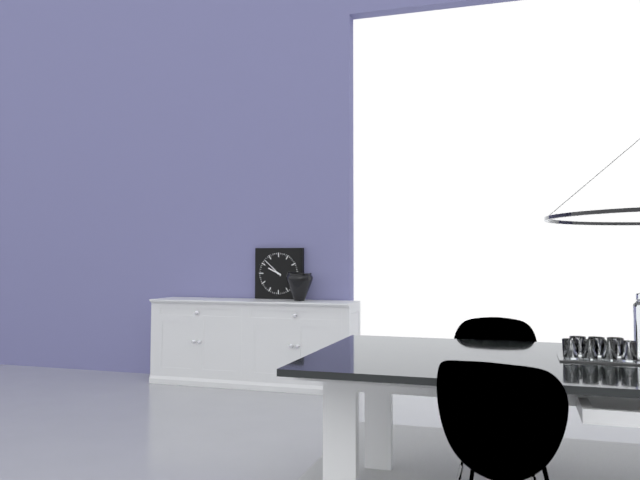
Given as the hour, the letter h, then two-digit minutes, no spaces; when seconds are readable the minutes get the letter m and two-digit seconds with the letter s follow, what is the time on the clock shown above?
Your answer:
9h52
